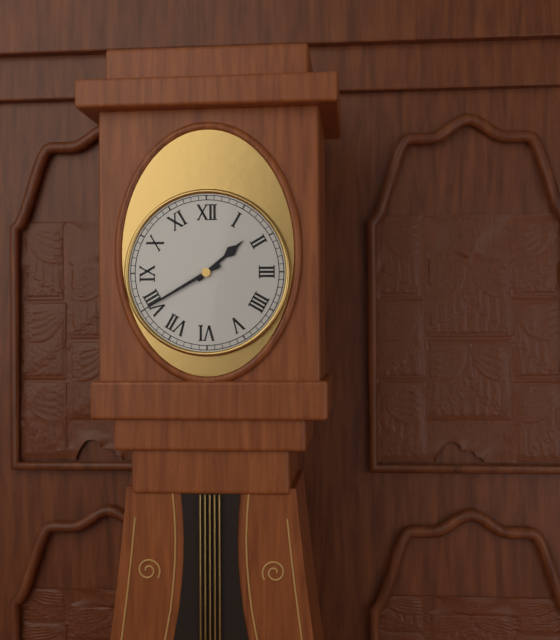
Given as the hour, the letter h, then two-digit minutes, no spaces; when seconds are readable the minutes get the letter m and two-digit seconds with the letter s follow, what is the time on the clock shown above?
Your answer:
1h40
